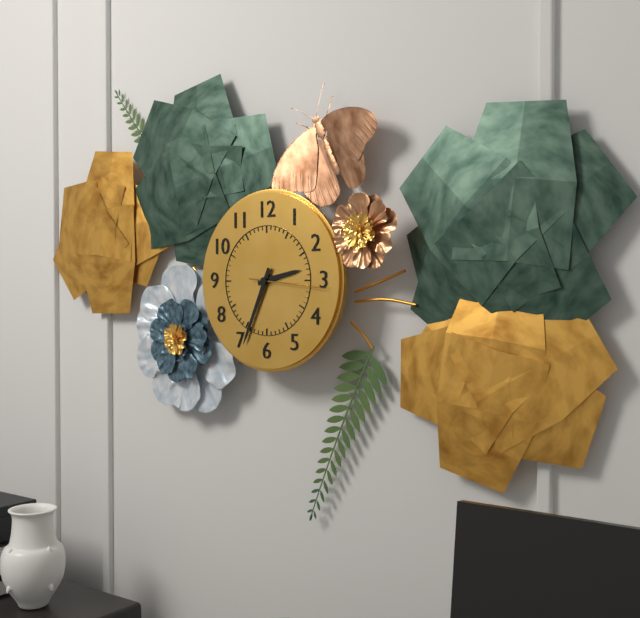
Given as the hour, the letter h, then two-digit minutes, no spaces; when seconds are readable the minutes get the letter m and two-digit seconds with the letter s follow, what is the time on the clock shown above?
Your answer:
2h34m16s
